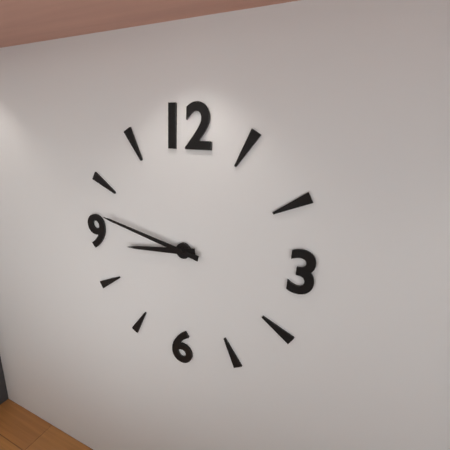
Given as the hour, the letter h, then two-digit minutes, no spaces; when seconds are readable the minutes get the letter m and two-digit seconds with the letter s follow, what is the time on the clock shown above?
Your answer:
8h47
